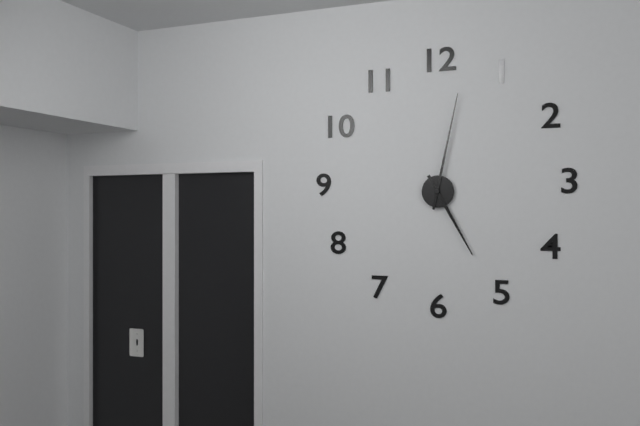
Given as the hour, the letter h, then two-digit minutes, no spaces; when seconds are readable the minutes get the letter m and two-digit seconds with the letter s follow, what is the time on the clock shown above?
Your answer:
5h02
